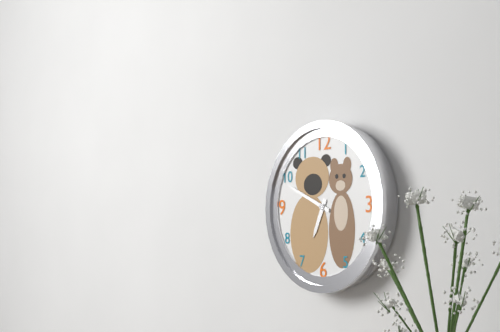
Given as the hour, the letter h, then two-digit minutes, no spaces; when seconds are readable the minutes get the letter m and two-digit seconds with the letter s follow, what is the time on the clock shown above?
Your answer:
6h49
